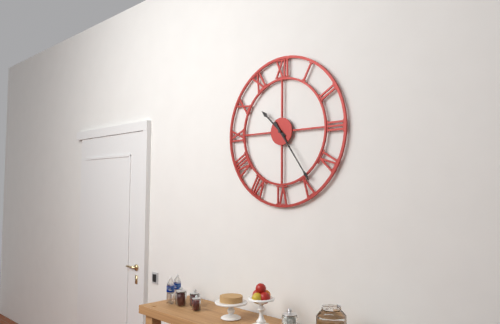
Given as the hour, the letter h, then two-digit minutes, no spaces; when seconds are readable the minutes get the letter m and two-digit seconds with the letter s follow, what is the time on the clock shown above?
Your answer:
10h24
